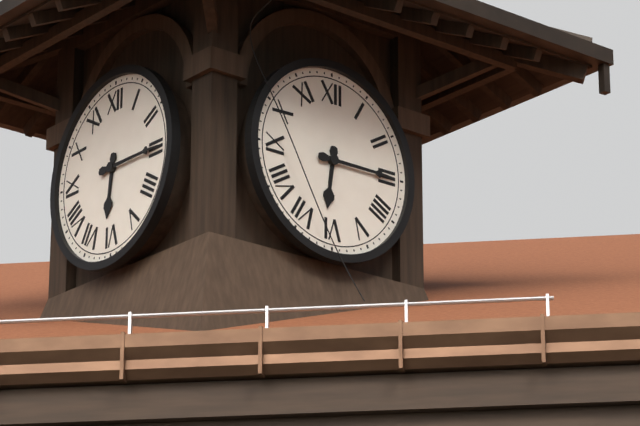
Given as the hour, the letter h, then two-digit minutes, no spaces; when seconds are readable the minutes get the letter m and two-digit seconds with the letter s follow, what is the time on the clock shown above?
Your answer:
6h15
